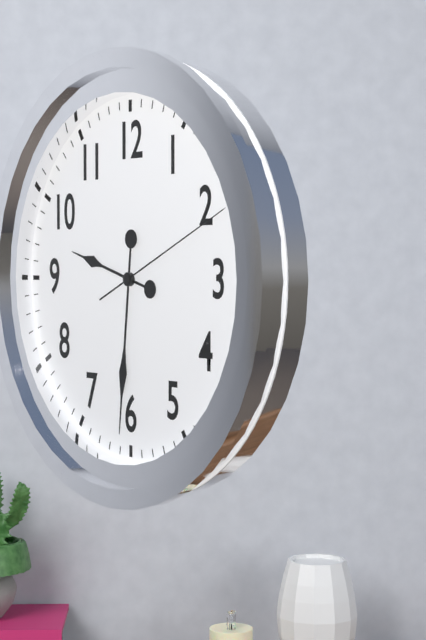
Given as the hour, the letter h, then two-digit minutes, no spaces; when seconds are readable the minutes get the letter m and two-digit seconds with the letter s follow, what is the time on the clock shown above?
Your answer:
9h31m11s
